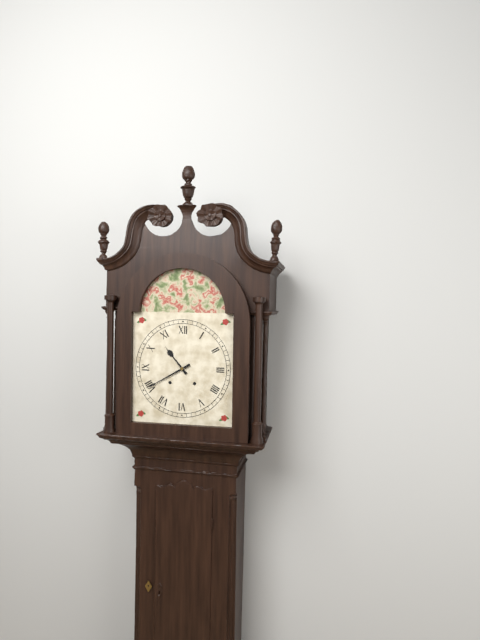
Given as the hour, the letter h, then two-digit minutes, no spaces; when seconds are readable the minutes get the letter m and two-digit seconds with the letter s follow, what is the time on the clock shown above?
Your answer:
10h40
